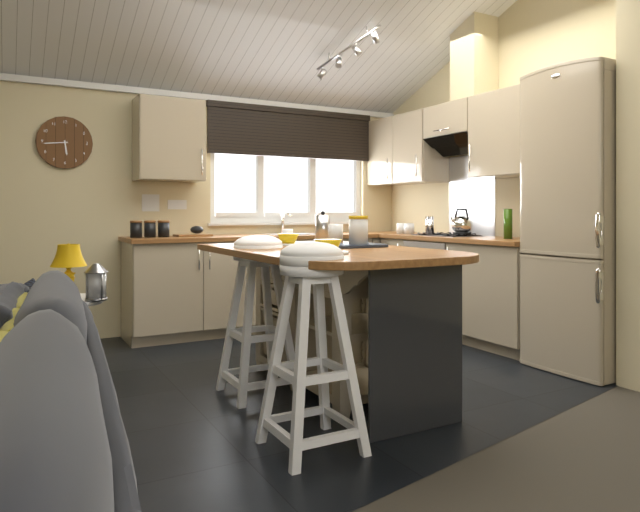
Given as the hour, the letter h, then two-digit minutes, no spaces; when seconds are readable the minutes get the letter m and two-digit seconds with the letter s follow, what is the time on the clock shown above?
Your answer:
5h44
